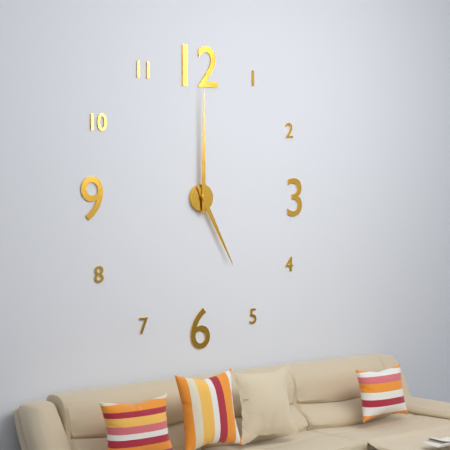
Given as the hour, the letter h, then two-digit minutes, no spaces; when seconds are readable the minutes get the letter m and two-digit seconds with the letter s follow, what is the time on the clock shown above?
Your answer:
5h00
